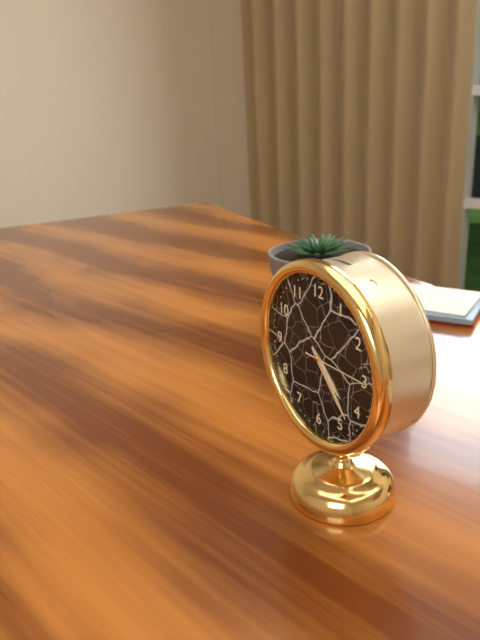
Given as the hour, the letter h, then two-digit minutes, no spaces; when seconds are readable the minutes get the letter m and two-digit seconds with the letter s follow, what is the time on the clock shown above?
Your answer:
4h23m15s
